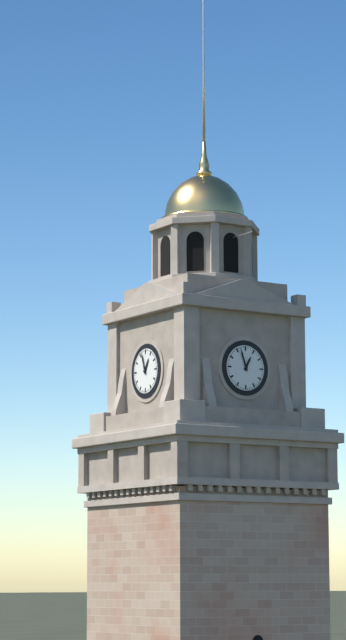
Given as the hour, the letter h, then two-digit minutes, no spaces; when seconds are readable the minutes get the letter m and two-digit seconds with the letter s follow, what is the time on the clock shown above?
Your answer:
12h57
